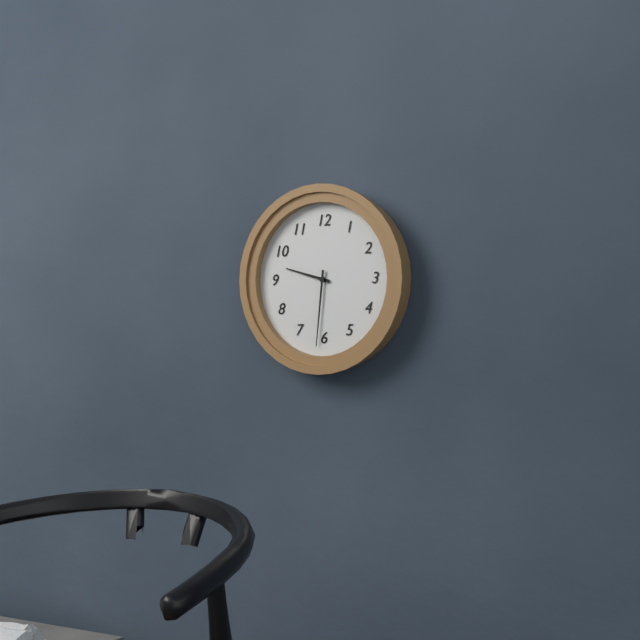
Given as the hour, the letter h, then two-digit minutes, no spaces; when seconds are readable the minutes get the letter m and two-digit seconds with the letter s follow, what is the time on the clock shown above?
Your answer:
9h31
